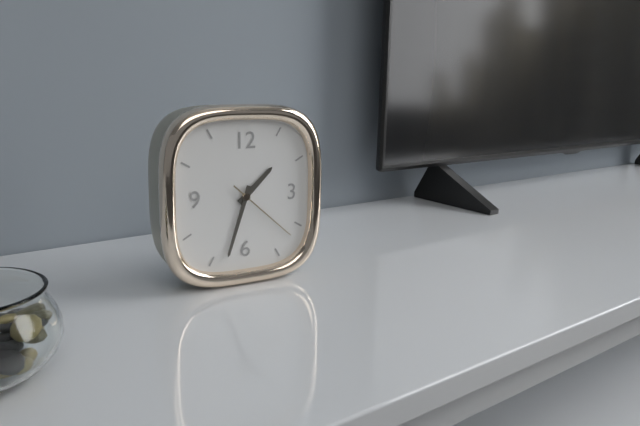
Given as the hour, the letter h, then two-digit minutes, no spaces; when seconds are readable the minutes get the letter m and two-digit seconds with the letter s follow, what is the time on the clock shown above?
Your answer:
1h33m22s
